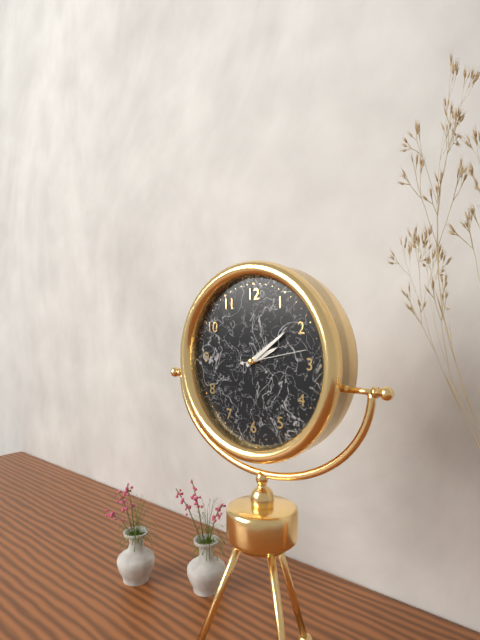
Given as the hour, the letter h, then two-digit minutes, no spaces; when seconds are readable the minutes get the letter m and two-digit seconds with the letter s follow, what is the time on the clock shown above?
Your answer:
2h09m13s
